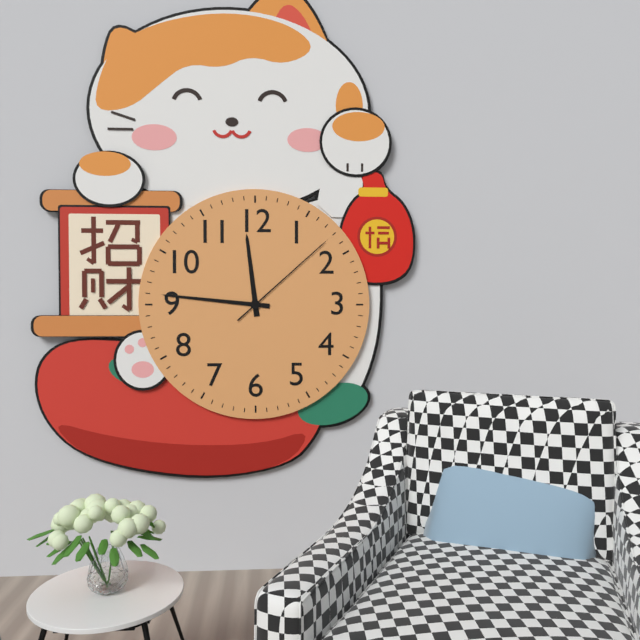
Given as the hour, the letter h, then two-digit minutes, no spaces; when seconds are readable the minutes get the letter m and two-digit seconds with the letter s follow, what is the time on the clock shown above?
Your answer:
11h46m08s
